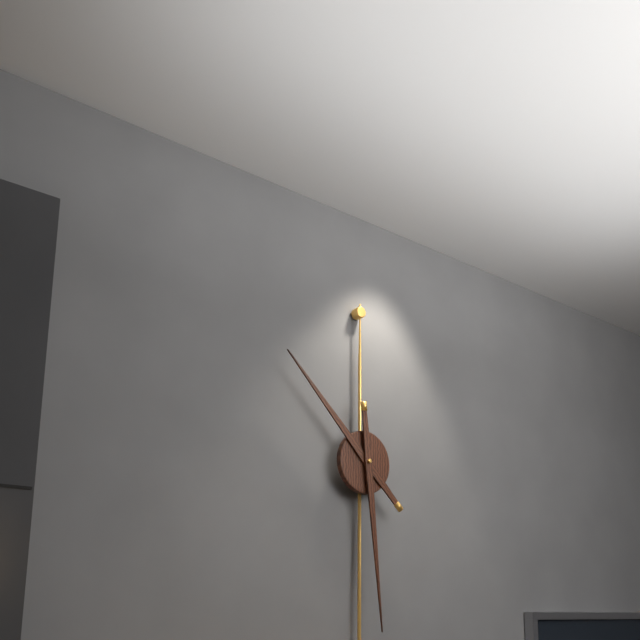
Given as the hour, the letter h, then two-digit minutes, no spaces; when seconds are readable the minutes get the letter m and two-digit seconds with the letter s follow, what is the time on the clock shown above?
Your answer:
10h29
